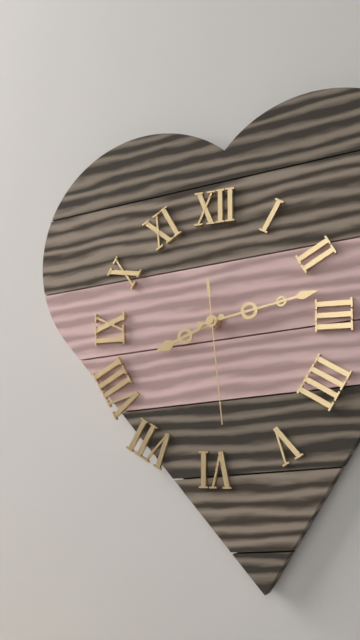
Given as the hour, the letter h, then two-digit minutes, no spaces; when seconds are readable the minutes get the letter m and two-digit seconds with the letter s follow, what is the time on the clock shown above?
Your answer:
8h13m29s
